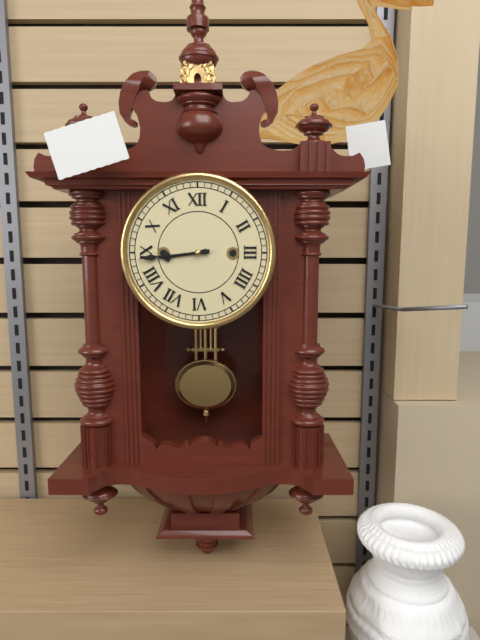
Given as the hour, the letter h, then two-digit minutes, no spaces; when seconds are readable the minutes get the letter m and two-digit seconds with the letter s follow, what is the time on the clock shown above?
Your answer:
8h44
